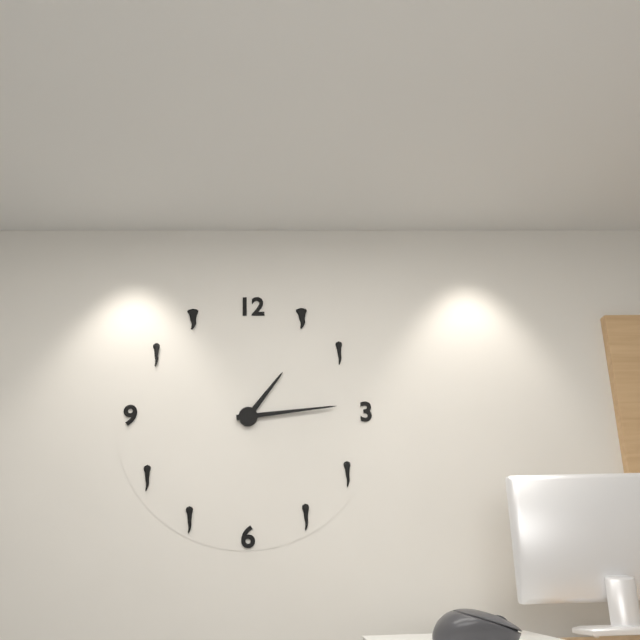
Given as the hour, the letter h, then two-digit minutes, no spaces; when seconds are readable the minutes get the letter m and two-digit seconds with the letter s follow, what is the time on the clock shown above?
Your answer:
1h14
